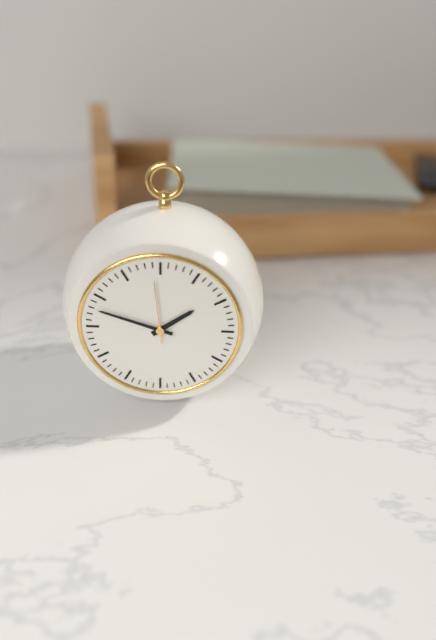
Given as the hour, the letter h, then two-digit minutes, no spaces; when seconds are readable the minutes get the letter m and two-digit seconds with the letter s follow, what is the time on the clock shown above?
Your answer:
1h48m59s
